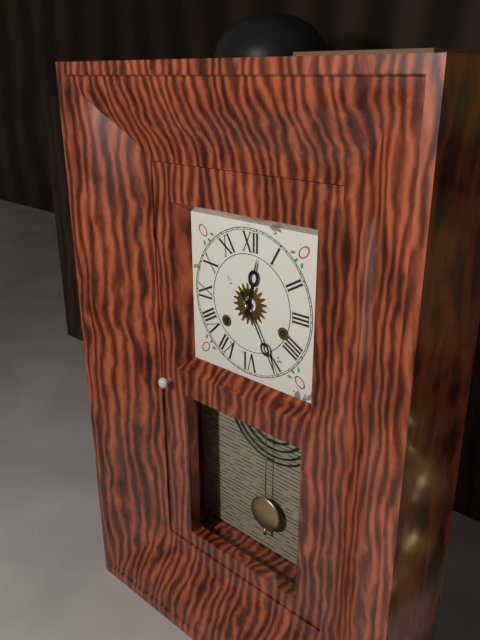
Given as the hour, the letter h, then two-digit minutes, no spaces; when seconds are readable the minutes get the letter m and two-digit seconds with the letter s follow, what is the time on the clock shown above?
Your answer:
12h25
